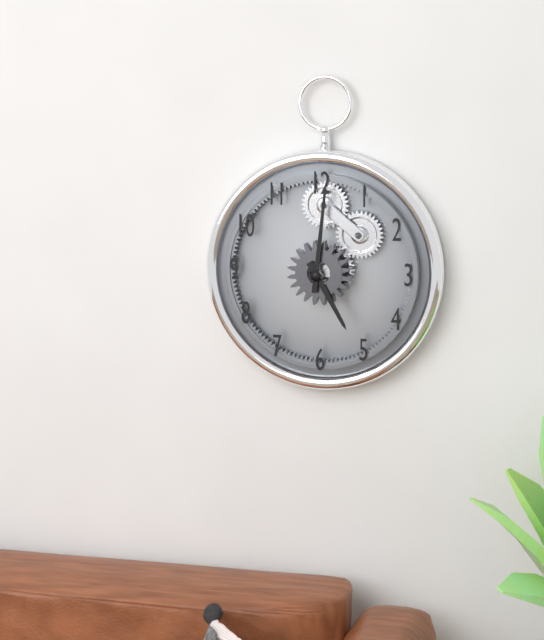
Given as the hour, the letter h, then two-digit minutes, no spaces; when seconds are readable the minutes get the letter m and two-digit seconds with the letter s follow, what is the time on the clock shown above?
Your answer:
5h01
